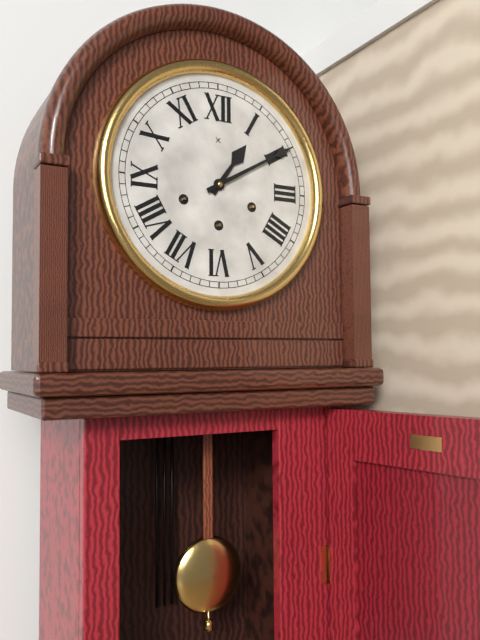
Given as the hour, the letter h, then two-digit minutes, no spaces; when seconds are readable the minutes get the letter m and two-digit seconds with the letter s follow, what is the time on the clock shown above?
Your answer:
1h10
